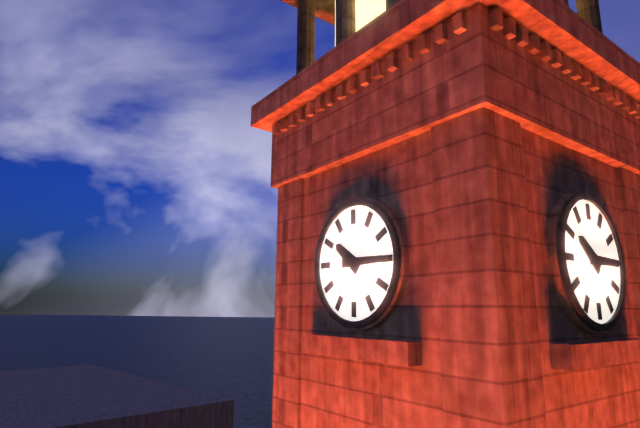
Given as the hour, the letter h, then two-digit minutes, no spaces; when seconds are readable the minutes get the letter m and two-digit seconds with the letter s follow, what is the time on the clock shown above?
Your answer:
10h15
